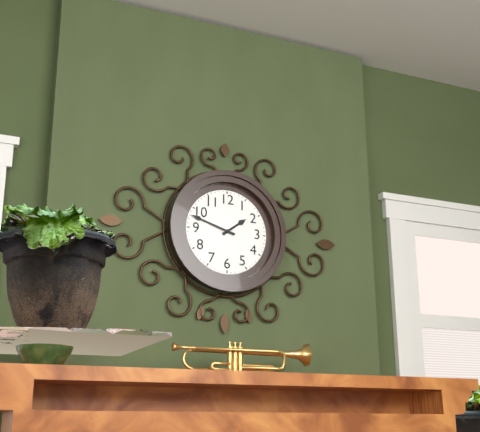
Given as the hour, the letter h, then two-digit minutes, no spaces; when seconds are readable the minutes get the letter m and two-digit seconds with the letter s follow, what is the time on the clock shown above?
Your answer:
1h48
